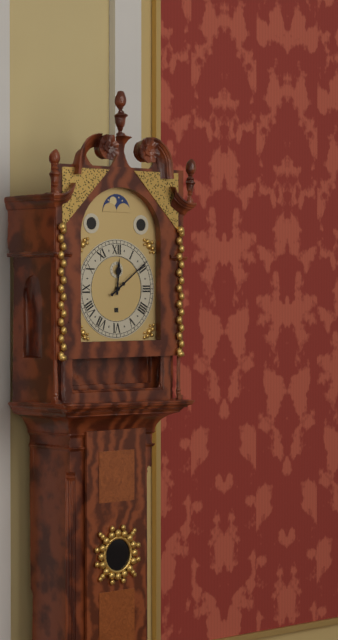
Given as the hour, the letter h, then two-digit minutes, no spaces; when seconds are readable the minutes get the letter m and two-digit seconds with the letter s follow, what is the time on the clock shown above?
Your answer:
12h09
